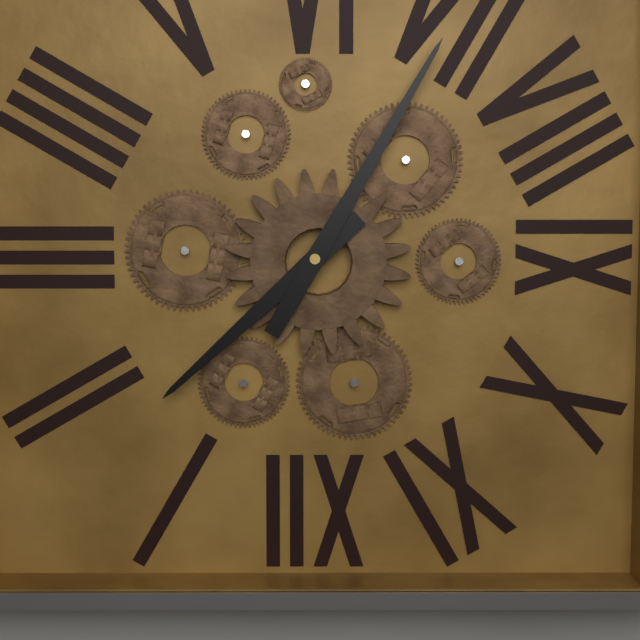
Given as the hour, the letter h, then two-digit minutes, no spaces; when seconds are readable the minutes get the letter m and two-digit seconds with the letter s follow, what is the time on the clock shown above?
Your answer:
1h35
